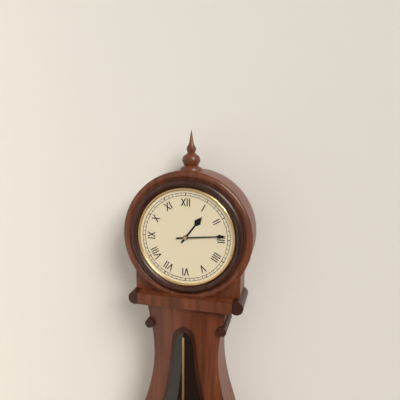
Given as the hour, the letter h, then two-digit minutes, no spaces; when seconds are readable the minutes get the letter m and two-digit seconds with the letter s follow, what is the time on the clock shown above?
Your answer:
1h14
